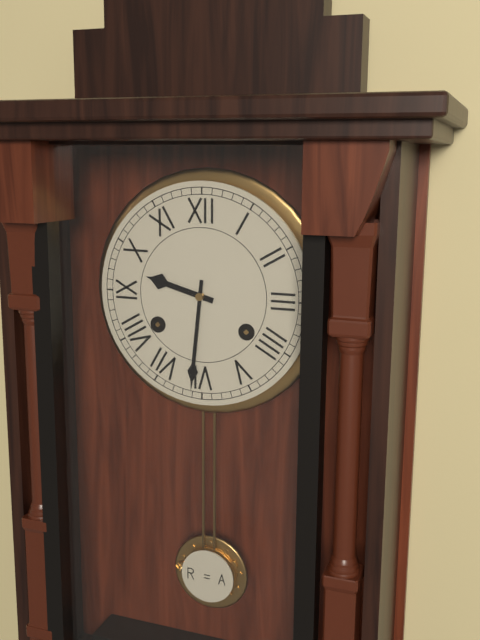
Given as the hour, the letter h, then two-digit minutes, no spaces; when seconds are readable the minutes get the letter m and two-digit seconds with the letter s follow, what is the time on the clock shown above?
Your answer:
9h31
